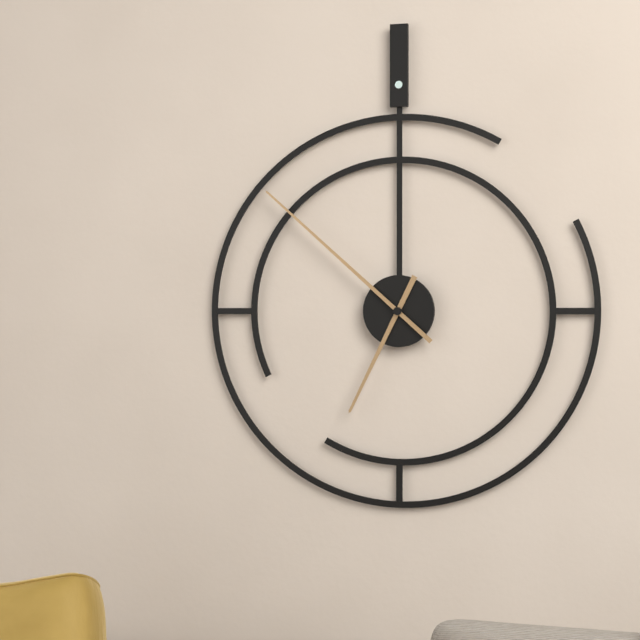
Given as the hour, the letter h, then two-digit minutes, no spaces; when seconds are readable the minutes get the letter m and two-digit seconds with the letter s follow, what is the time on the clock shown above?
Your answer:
6h52
